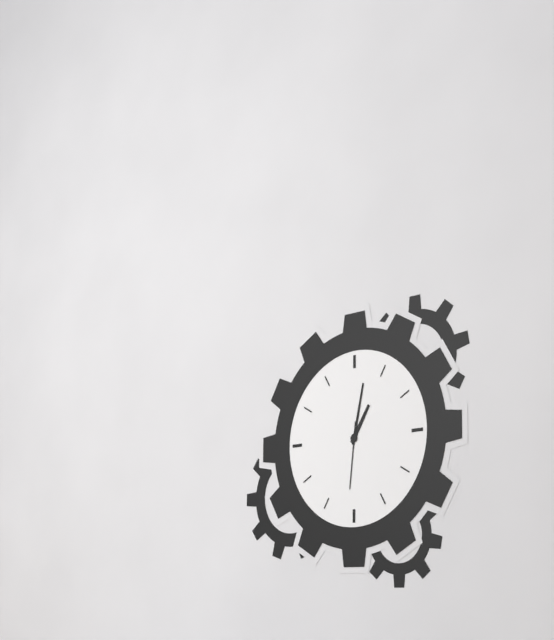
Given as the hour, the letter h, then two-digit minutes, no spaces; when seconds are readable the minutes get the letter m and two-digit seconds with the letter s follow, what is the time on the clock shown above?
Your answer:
1h02m31s
